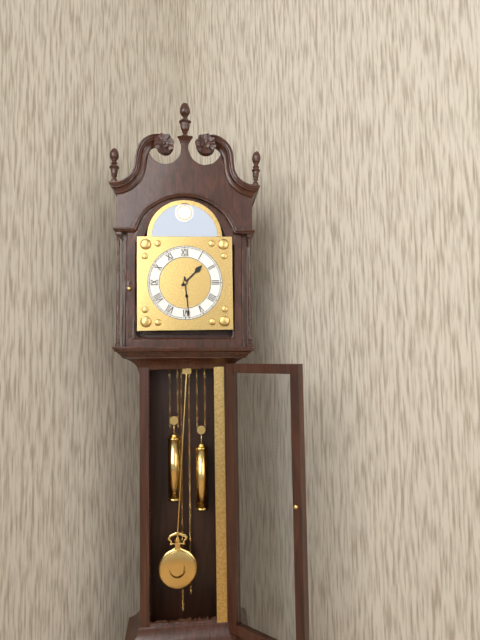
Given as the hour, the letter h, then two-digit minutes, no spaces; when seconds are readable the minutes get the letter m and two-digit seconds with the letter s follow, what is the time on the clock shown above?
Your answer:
1h29
